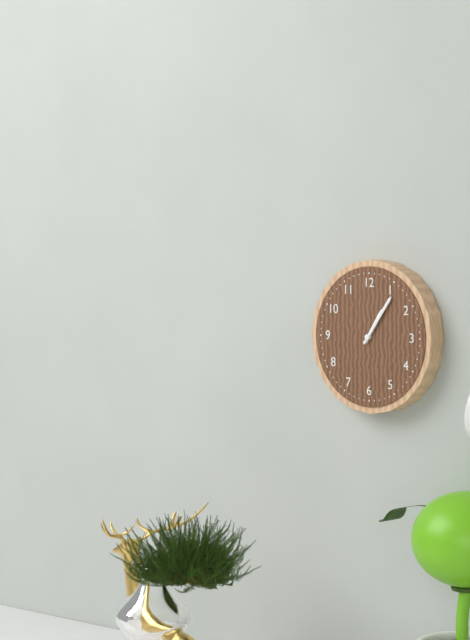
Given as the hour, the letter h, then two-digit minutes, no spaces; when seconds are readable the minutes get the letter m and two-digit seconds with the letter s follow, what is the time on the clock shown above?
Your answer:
1h06
